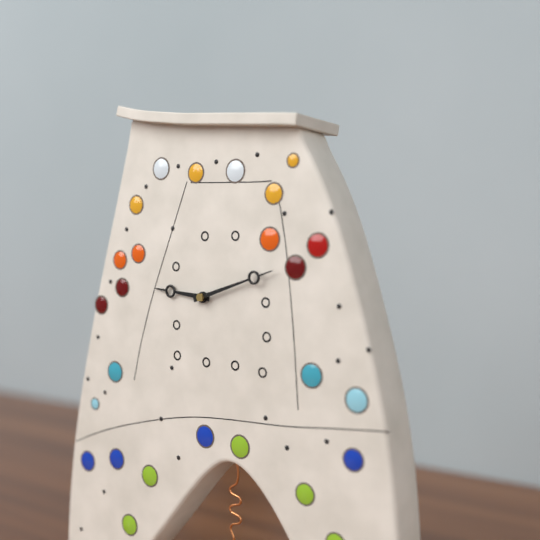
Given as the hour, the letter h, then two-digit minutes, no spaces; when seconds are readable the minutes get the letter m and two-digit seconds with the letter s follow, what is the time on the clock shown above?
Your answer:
9h12
